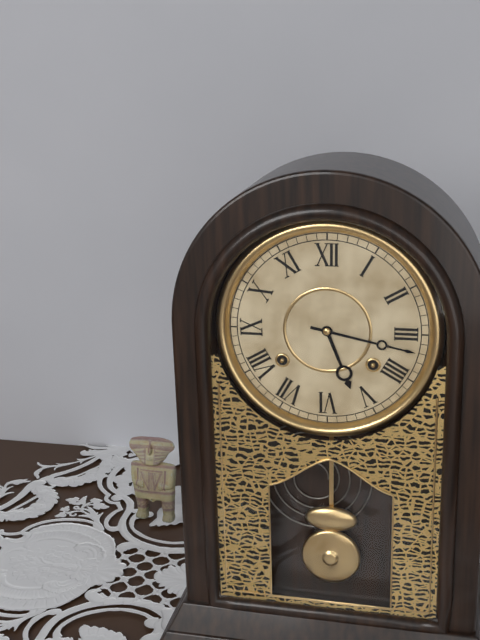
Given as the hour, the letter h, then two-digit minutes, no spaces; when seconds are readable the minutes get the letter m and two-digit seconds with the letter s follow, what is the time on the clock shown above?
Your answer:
5h17
